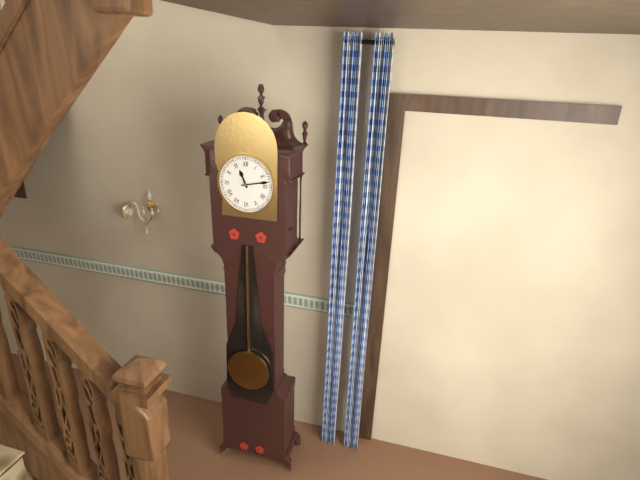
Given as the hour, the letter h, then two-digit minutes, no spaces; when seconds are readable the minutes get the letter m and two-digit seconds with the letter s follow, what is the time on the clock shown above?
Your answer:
11h13
